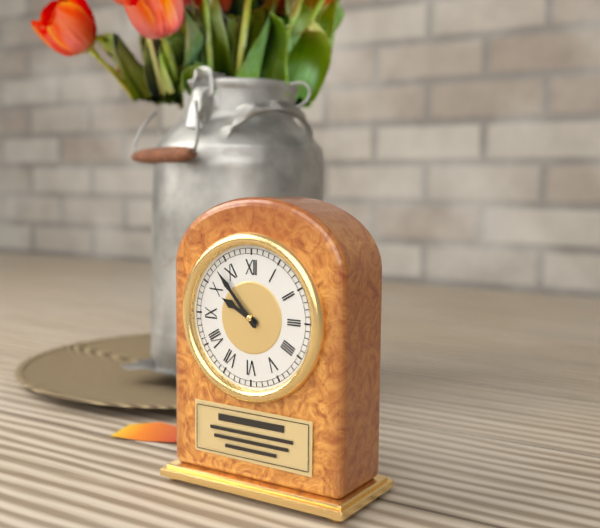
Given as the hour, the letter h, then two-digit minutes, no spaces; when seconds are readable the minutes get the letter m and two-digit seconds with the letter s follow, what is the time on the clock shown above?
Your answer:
9h53
